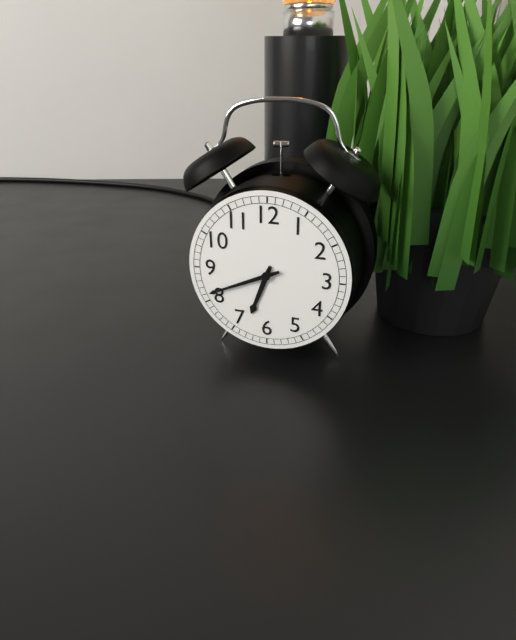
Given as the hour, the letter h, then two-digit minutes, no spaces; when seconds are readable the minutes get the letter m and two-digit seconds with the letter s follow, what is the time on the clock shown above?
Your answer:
6h41
